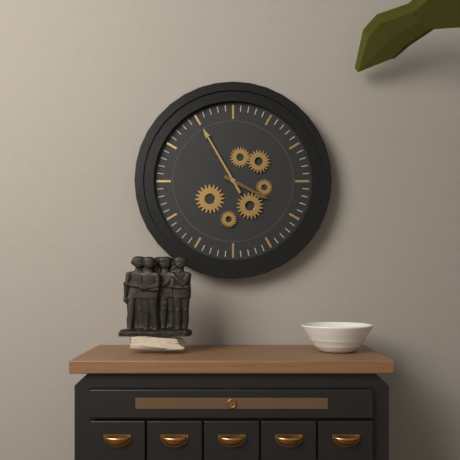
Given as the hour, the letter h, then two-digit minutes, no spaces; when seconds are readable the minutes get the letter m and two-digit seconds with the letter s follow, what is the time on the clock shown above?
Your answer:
3h55
